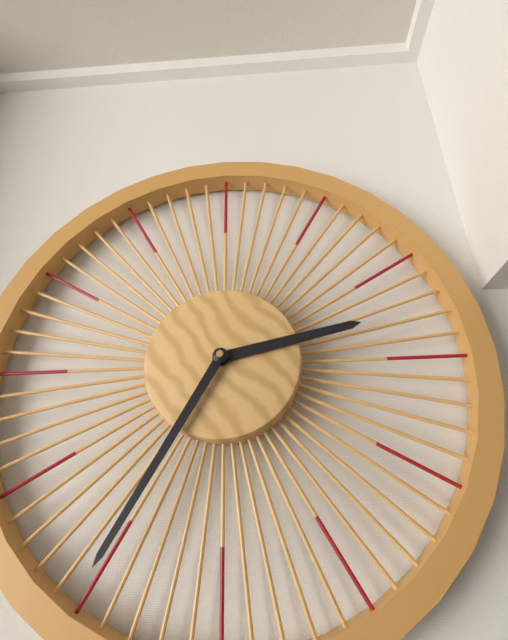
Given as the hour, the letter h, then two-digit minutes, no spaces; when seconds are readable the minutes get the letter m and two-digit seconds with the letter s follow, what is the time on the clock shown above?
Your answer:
2h35
